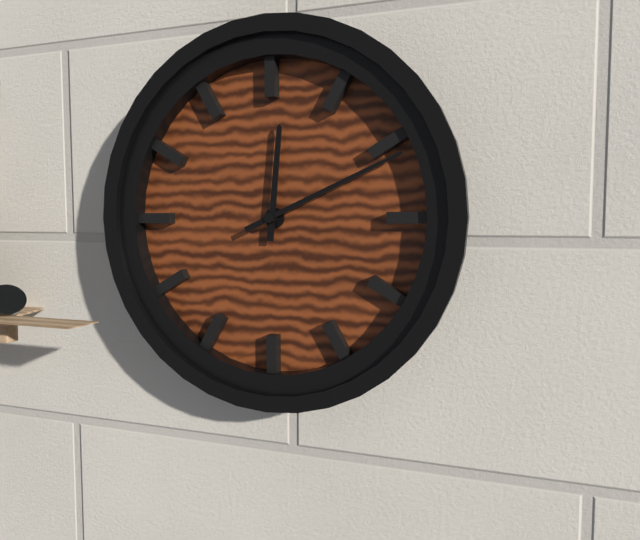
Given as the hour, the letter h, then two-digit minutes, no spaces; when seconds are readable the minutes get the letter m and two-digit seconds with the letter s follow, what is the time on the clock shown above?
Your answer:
12h11
